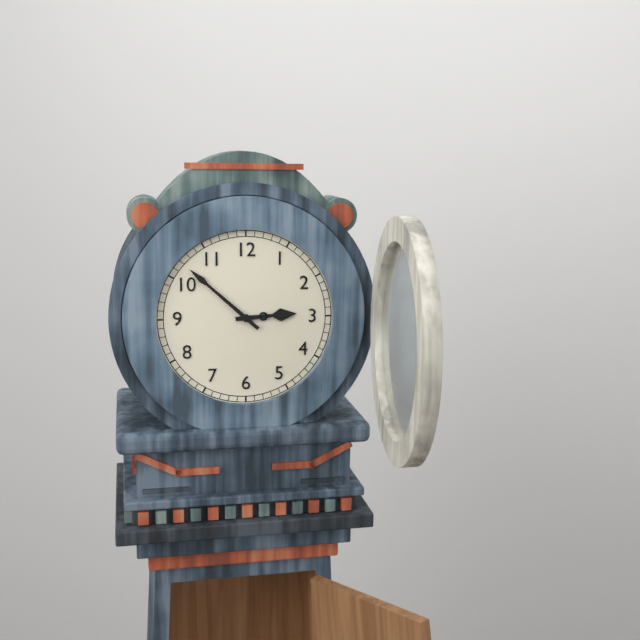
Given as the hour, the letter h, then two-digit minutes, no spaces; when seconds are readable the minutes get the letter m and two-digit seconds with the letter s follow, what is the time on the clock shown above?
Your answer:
2h52
